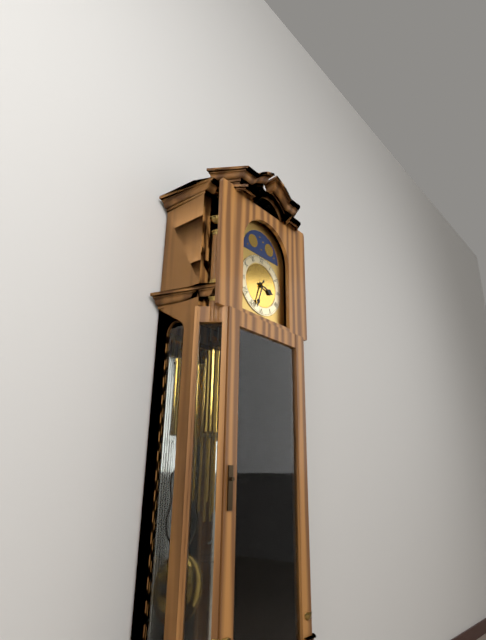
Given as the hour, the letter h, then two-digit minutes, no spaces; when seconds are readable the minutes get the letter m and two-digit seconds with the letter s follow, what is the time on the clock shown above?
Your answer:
3h33
